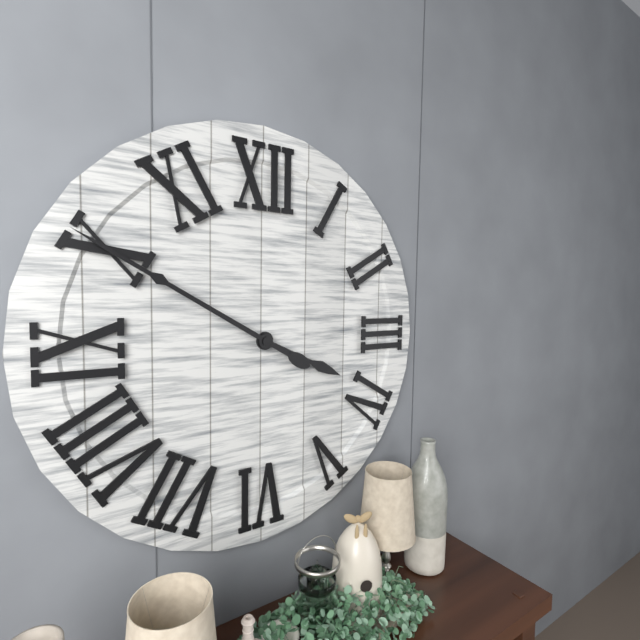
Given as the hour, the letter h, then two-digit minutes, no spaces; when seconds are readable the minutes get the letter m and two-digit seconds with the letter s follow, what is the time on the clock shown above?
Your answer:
3h50
